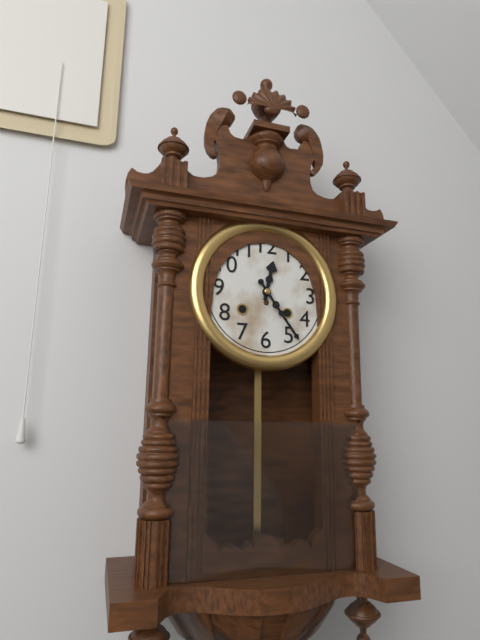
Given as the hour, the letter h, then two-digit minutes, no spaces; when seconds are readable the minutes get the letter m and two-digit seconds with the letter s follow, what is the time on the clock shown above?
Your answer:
12h24
